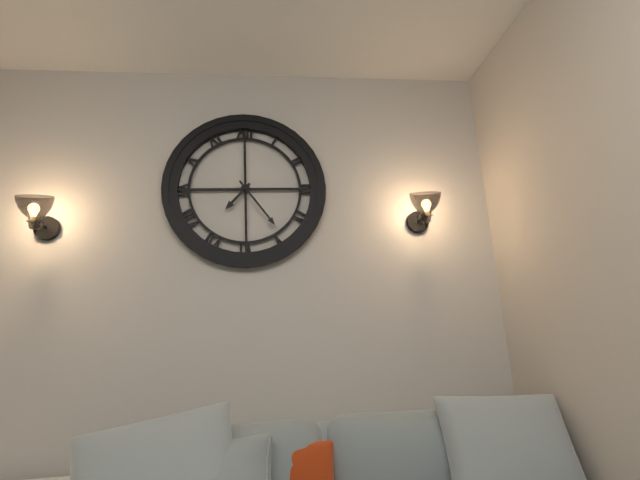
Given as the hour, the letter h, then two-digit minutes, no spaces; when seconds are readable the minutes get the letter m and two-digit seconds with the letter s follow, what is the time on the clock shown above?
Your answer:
7h24
